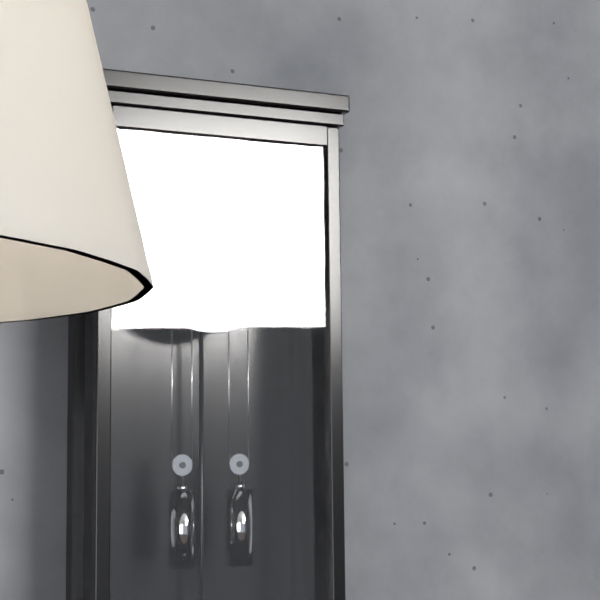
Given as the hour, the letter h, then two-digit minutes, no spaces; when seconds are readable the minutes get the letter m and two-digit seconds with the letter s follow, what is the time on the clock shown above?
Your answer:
7h58
